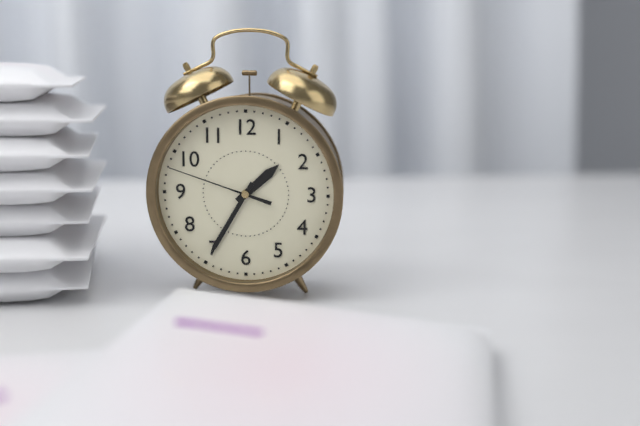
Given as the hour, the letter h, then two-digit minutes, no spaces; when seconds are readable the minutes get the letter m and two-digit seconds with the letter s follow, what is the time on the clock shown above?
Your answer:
1h35m48s
